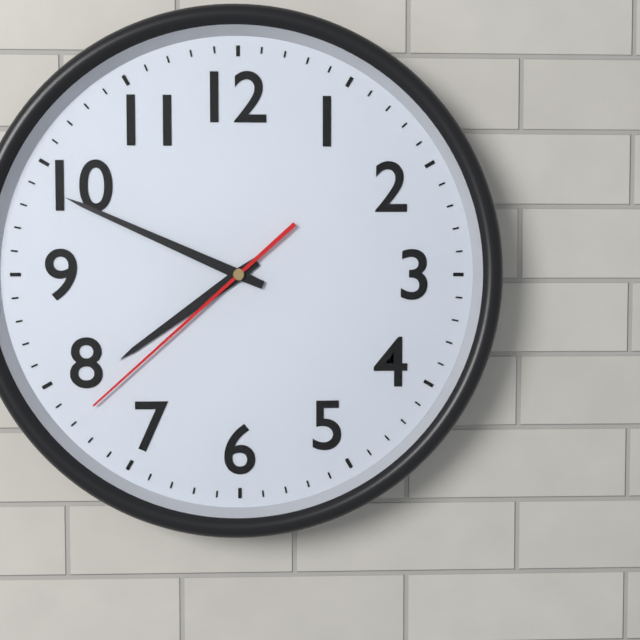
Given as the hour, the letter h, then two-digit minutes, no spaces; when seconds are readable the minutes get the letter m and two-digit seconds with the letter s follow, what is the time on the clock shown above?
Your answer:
7h49m38s
